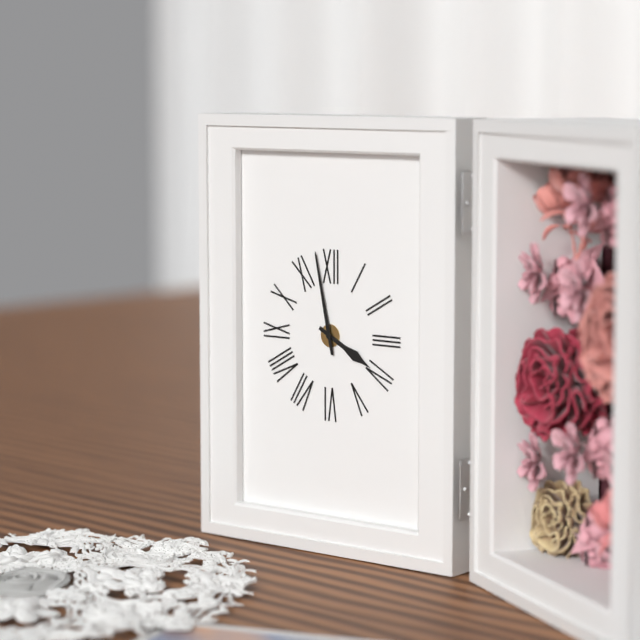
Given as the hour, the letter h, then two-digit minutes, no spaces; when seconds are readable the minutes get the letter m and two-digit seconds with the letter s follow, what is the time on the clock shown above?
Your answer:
3h58
